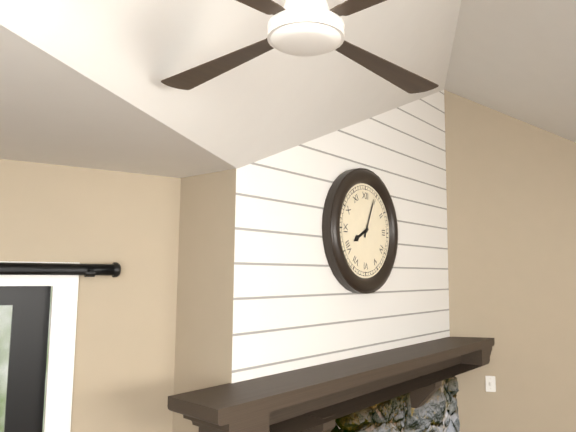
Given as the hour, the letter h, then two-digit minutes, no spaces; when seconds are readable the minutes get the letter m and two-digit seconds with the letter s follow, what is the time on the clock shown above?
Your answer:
8h04
